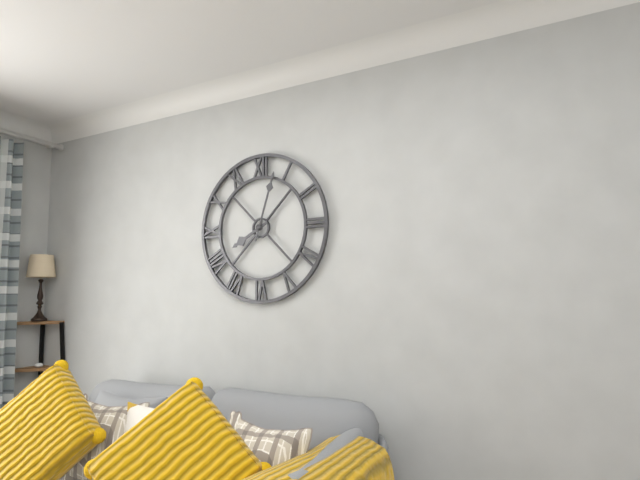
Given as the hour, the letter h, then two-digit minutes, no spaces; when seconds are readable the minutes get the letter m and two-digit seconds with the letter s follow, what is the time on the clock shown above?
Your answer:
8h03
